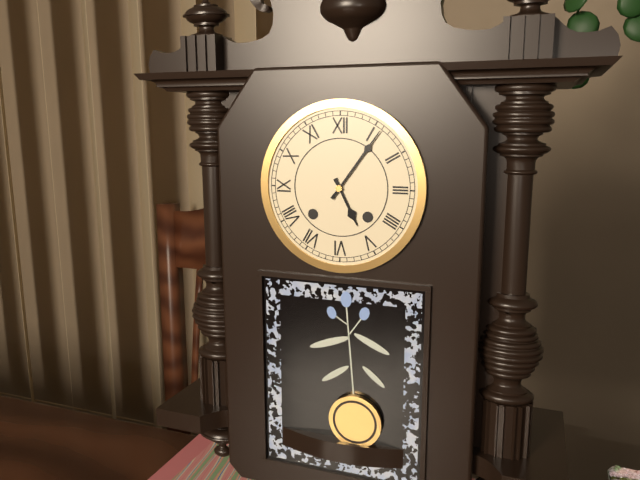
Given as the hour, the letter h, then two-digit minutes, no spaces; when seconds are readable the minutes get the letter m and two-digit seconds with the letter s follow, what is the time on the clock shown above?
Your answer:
5h06
